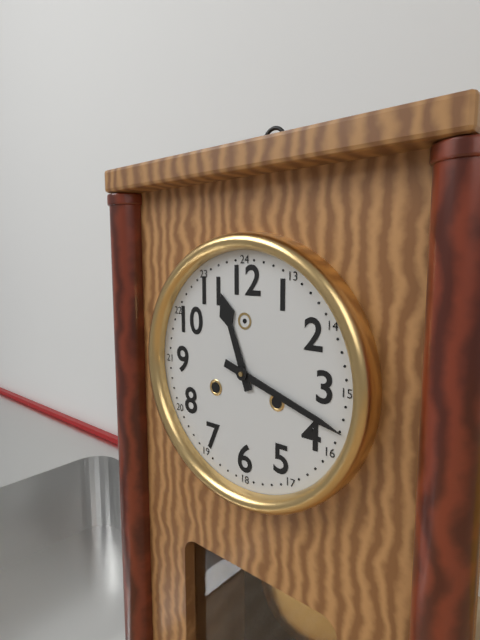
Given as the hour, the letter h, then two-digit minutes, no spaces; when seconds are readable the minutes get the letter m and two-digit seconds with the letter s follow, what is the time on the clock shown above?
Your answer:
11h18
